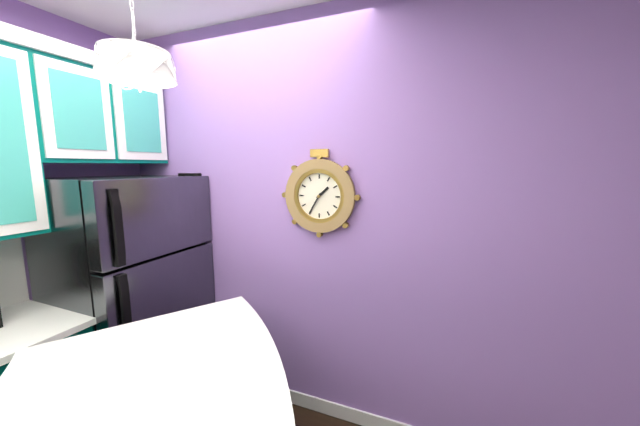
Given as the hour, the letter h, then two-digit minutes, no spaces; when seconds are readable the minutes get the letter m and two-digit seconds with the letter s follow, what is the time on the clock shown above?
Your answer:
1h35
